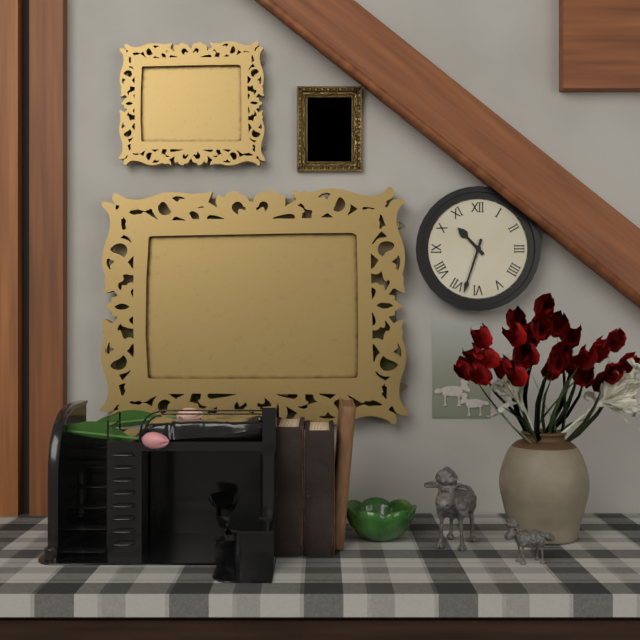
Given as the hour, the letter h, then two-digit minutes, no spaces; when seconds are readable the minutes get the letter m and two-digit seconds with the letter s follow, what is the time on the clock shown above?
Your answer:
10h33
